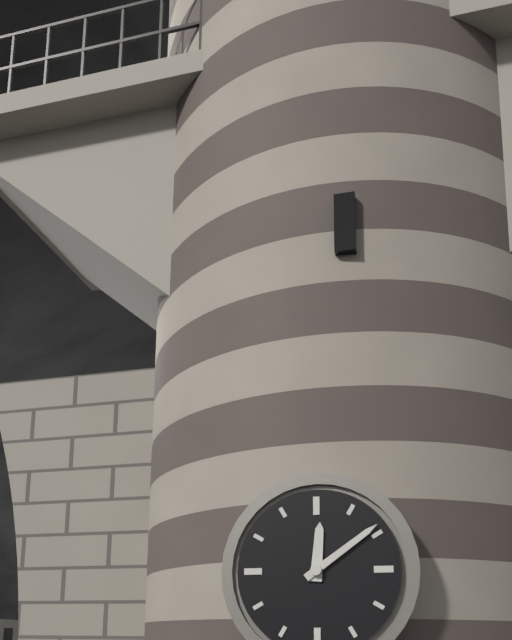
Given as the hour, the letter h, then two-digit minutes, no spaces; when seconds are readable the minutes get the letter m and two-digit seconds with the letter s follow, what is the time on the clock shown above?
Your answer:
12h09
